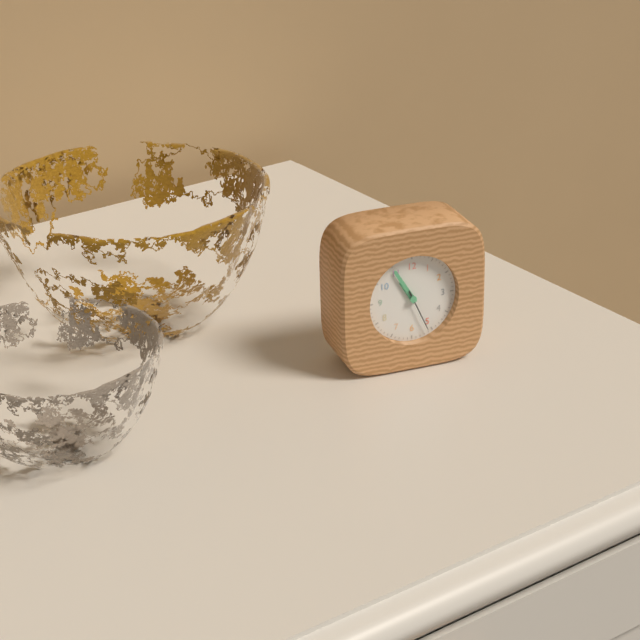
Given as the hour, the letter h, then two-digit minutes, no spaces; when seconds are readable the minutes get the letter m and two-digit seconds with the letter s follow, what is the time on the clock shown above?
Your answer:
10h55
